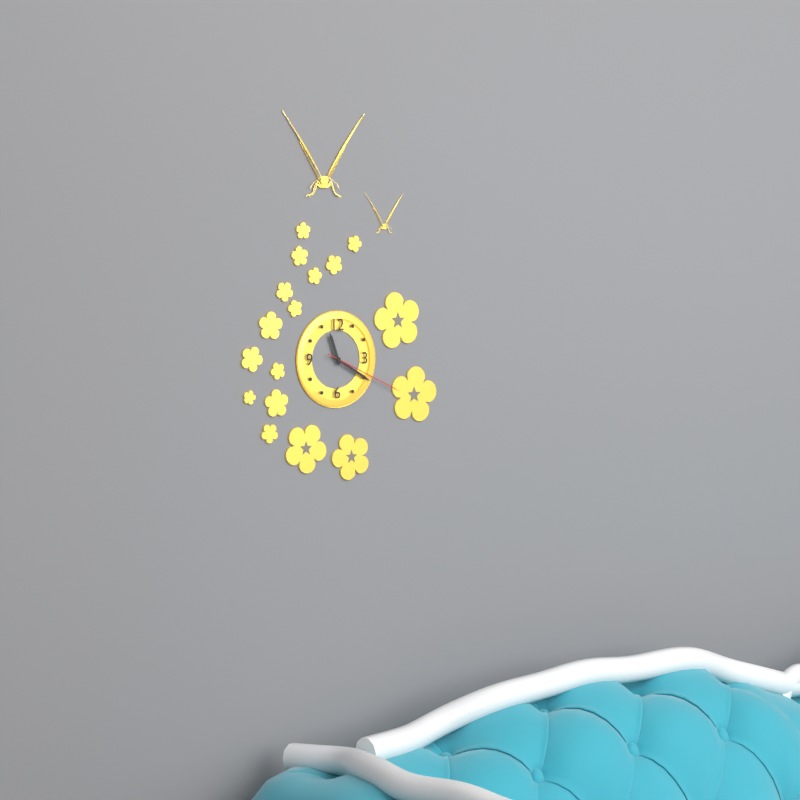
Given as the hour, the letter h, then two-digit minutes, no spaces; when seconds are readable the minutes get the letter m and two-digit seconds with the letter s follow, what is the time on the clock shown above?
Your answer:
11h20m19s
